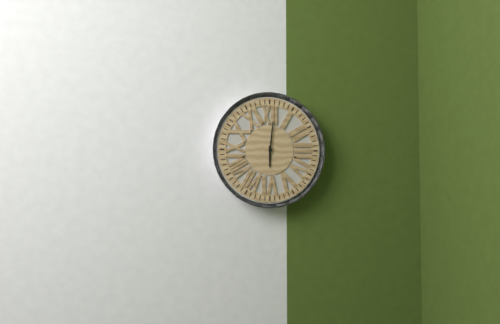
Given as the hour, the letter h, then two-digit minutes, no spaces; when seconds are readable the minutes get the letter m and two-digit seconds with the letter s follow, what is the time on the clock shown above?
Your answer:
6h01
